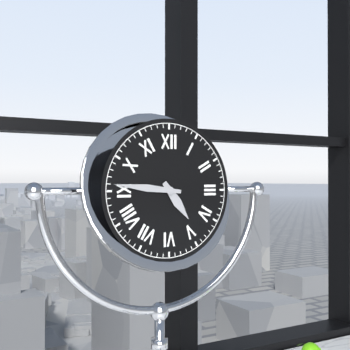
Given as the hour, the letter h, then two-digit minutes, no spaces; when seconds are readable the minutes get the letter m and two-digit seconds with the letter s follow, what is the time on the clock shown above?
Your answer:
4h46
